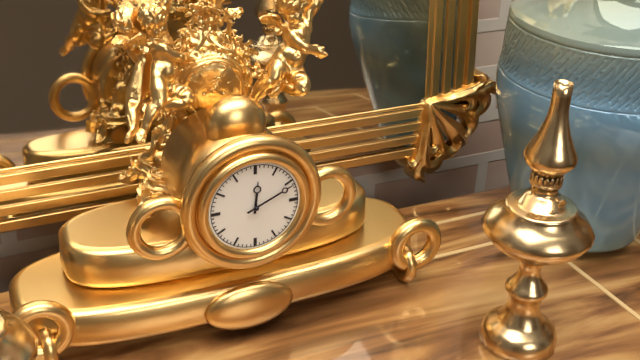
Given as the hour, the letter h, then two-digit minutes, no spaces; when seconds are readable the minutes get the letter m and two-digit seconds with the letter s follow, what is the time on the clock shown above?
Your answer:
12h11
